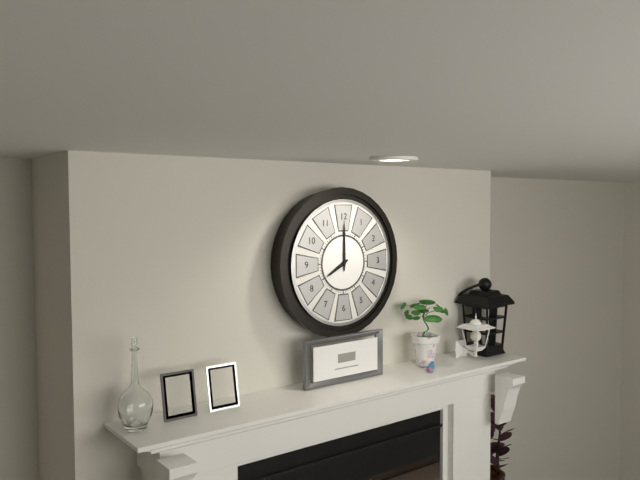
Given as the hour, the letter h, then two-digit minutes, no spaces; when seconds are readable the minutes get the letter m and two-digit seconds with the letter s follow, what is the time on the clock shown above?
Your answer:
8h00
